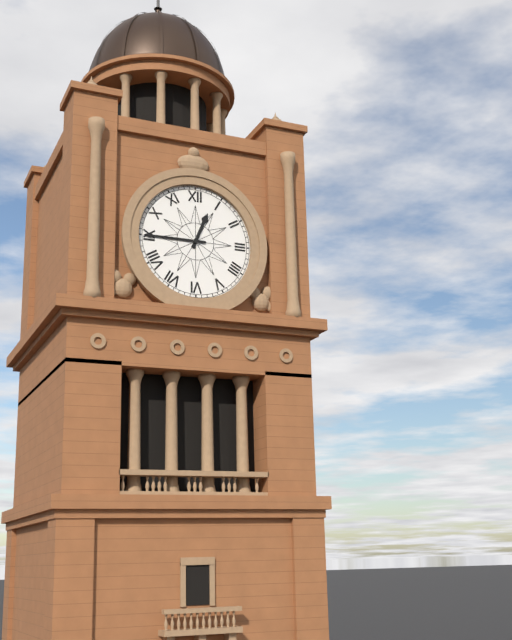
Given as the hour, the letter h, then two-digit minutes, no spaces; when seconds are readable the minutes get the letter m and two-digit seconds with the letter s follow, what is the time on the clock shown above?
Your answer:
12h45
